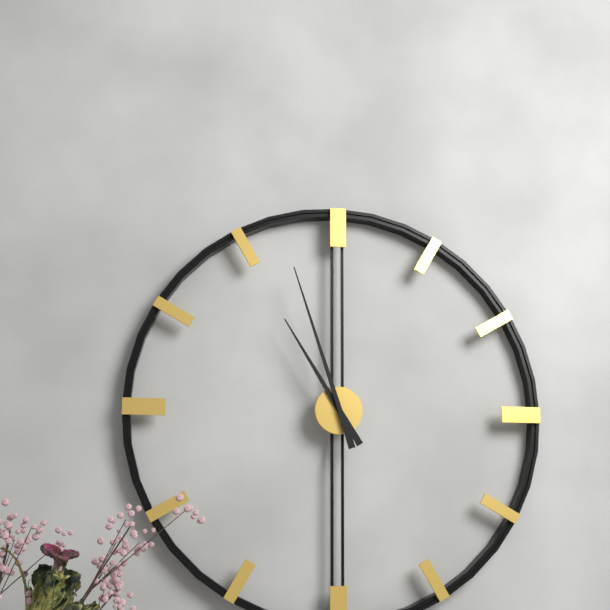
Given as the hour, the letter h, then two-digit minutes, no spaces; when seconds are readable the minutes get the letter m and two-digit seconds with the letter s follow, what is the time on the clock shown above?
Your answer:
10h57
